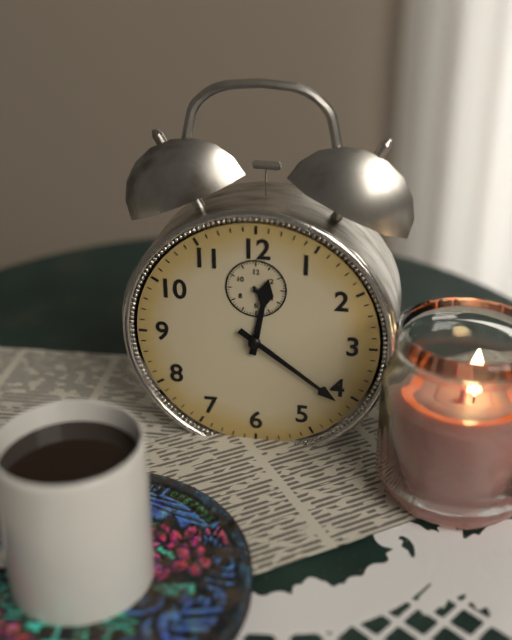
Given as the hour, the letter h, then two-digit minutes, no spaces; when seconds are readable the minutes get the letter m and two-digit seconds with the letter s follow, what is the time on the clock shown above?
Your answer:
12h21
